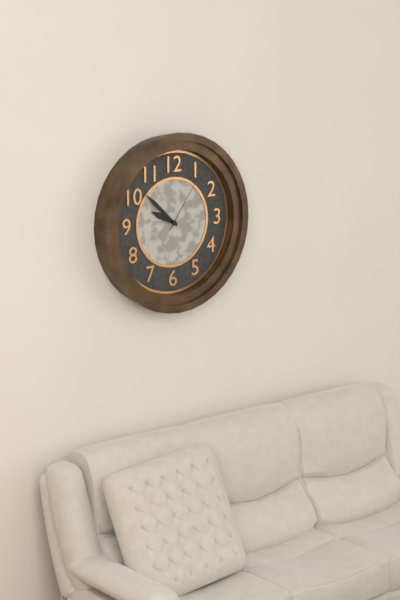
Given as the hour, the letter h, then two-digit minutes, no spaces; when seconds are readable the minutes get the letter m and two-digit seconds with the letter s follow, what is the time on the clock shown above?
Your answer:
9h52m06s
